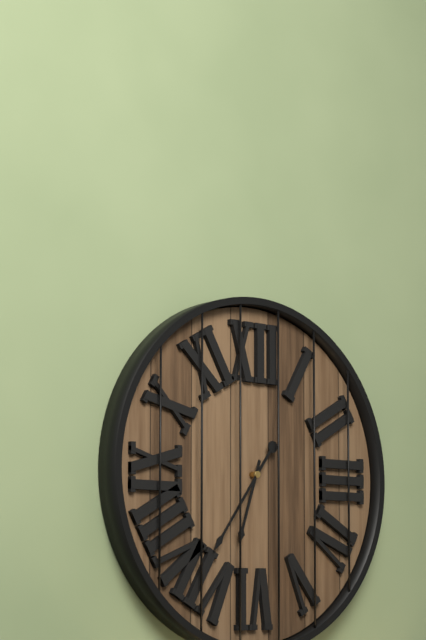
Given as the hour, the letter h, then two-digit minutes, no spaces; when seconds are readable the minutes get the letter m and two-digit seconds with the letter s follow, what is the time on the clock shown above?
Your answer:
6h36
